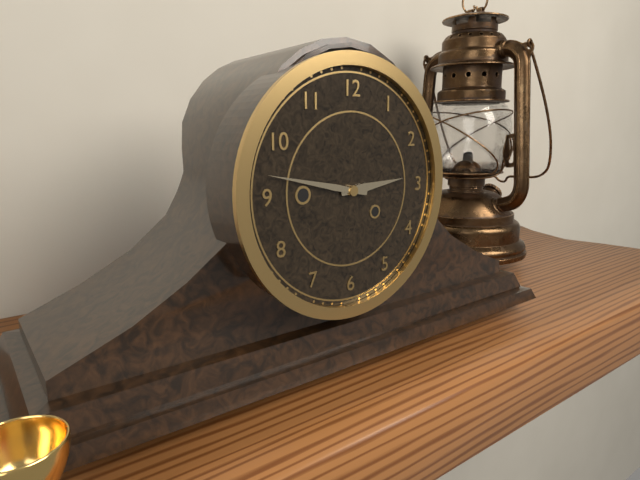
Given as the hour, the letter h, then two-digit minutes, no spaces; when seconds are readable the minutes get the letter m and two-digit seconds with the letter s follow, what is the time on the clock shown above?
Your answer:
2h47
